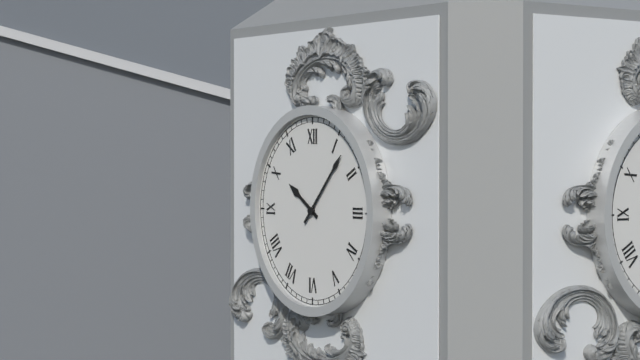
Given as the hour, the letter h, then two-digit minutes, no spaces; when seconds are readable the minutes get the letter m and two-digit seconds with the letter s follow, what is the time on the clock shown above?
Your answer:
10h07
